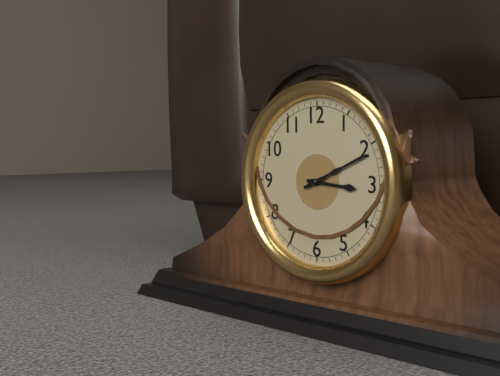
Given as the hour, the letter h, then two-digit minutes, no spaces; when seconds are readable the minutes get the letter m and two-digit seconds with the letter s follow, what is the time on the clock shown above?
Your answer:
3h11
